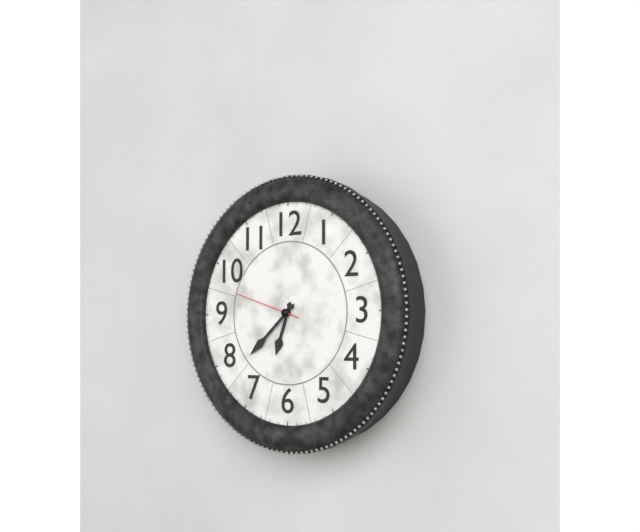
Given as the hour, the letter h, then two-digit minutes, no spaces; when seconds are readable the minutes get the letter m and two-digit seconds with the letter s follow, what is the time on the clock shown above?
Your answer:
6h38m48s
